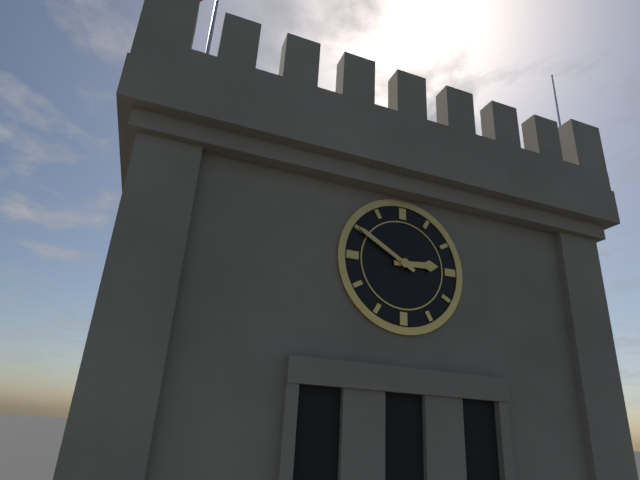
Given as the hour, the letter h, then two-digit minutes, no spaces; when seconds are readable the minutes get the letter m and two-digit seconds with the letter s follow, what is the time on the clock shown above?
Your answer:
2h50
